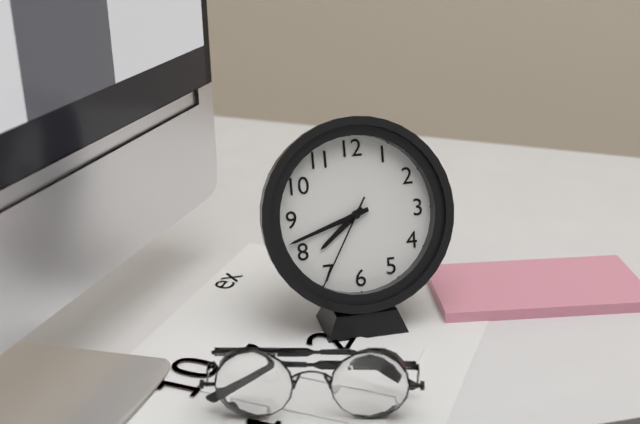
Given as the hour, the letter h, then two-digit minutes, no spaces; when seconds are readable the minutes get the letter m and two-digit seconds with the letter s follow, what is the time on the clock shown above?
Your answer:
7h42m35s
